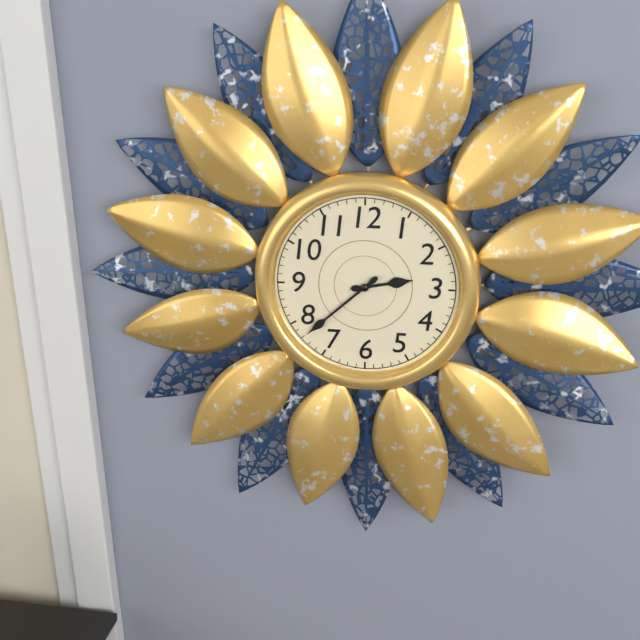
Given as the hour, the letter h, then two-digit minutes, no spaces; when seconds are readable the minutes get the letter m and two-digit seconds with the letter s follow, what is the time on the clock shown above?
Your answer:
2h38
